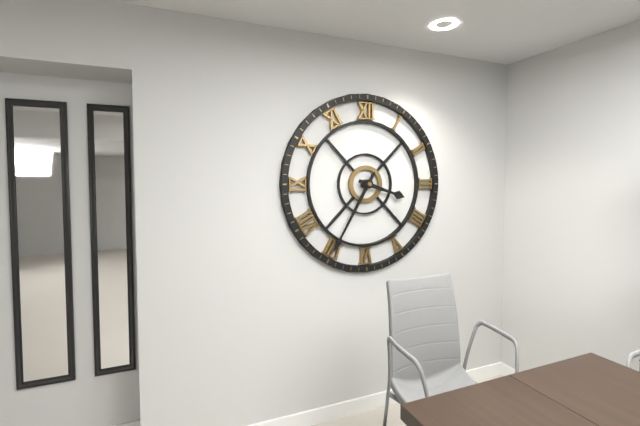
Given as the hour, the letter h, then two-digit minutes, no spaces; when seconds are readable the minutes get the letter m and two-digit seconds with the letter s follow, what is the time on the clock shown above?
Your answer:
3h35
